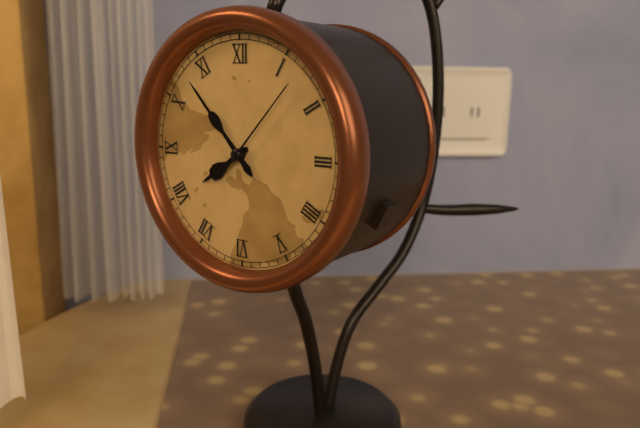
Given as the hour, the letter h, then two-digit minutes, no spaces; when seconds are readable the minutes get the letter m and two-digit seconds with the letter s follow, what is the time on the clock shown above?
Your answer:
7h53m07s
